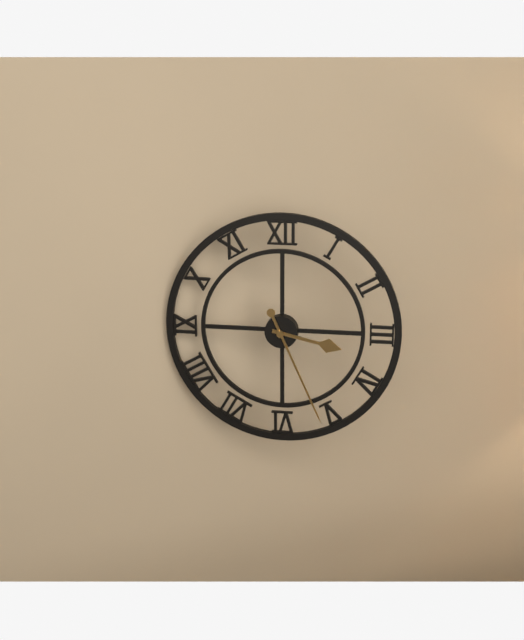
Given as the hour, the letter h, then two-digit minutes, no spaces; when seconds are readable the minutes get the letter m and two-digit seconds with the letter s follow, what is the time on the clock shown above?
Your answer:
3h26
